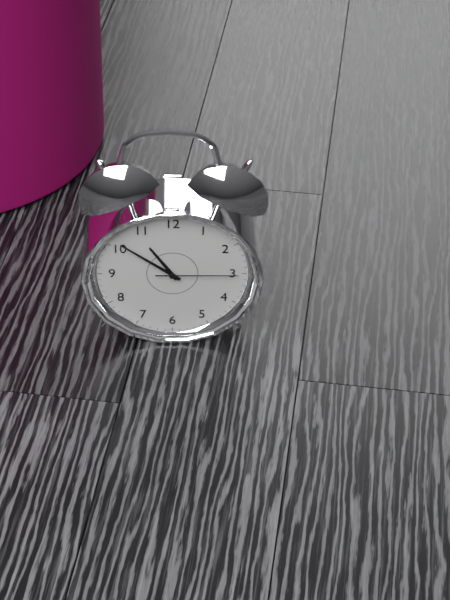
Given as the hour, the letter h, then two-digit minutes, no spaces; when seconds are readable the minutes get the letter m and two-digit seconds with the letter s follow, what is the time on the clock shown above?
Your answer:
10h51m15s
